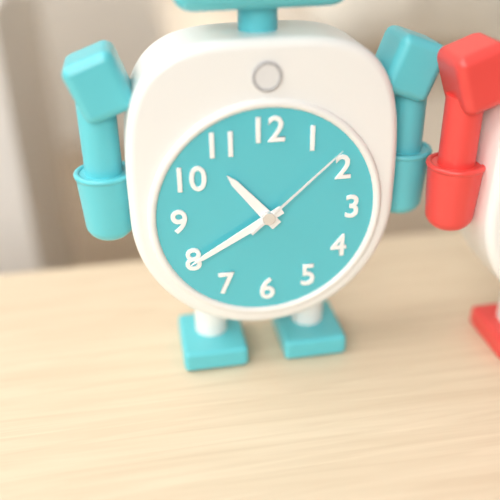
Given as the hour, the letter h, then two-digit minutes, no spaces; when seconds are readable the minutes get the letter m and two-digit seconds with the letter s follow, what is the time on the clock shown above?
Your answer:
10h40m08s
